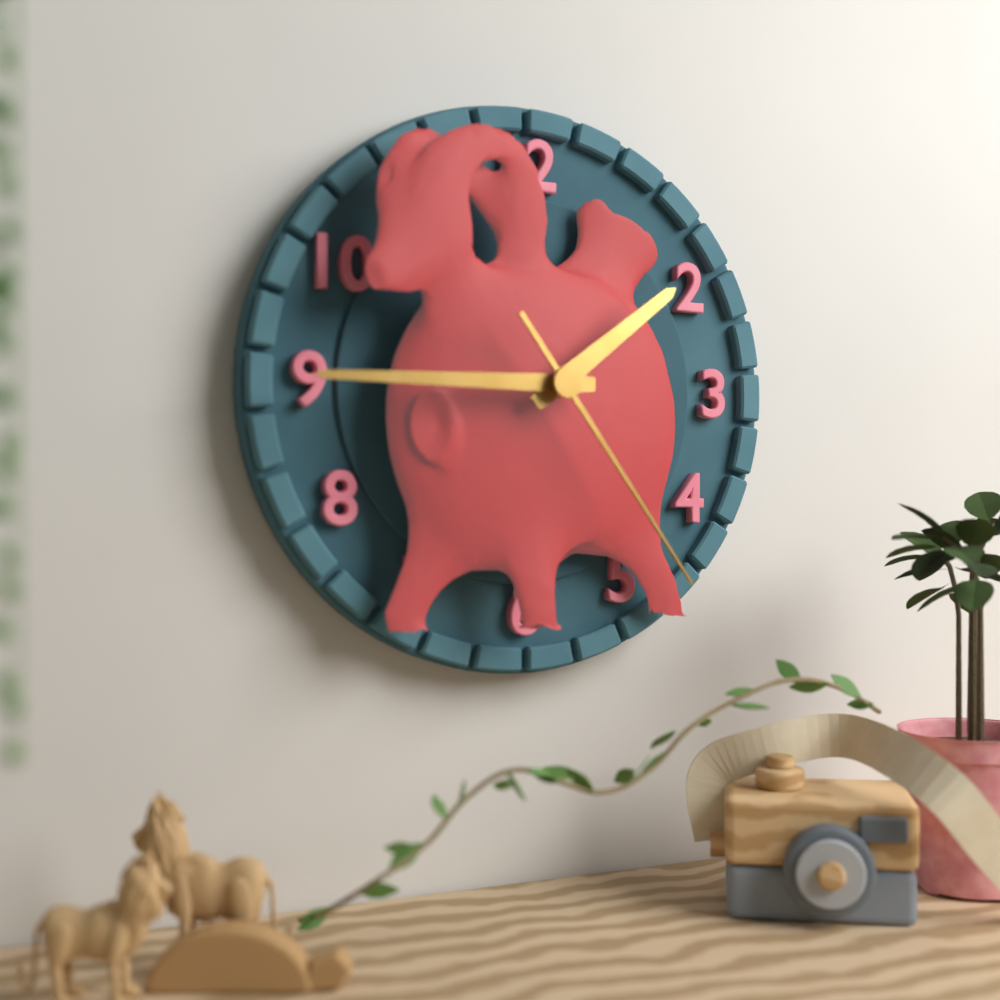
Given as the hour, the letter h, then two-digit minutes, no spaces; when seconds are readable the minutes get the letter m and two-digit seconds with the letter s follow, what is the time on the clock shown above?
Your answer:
1h45m24s
